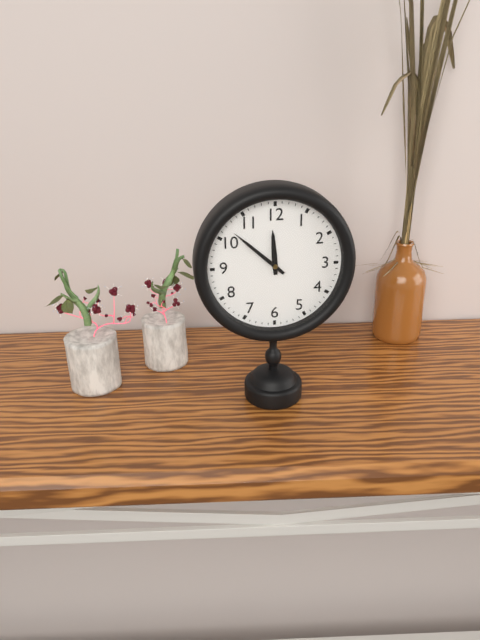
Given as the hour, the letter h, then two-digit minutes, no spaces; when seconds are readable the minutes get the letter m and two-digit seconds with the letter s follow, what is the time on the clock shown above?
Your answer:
11h52
